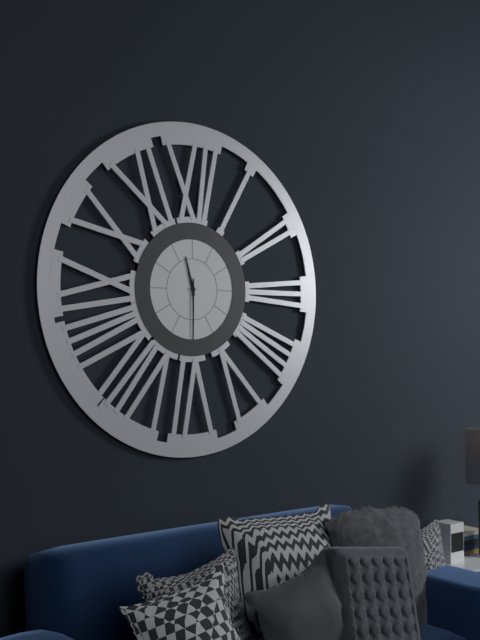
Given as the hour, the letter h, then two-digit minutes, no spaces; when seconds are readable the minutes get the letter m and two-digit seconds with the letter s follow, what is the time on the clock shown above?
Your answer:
11h30
